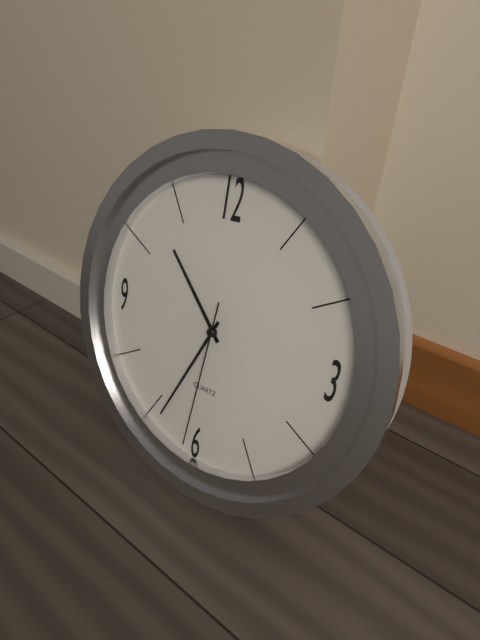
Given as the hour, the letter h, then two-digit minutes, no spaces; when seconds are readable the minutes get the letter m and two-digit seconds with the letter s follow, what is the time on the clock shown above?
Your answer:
10h34m31s
